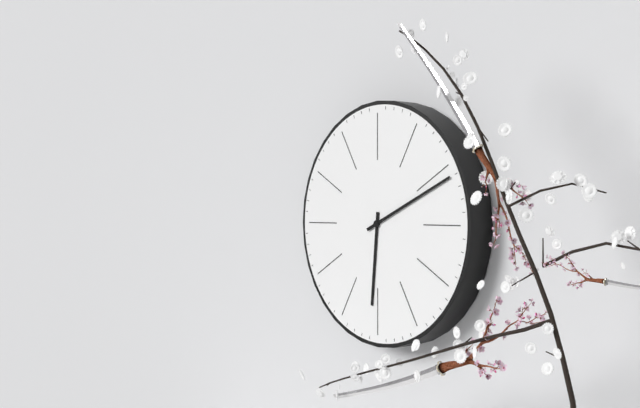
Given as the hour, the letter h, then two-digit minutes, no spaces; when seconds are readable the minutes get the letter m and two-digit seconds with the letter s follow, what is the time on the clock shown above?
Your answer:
6h11
